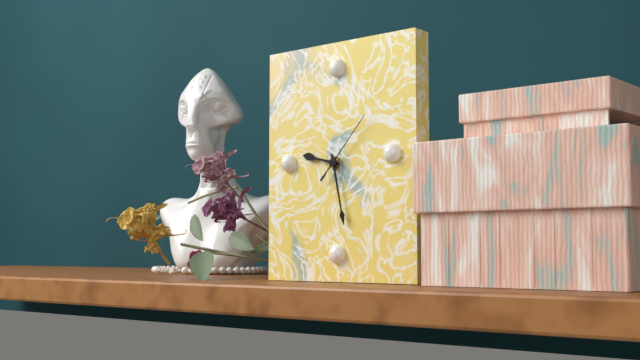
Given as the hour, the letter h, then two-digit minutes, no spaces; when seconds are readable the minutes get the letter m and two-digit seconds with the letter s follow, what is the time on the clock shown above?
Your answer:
9h28m07s
